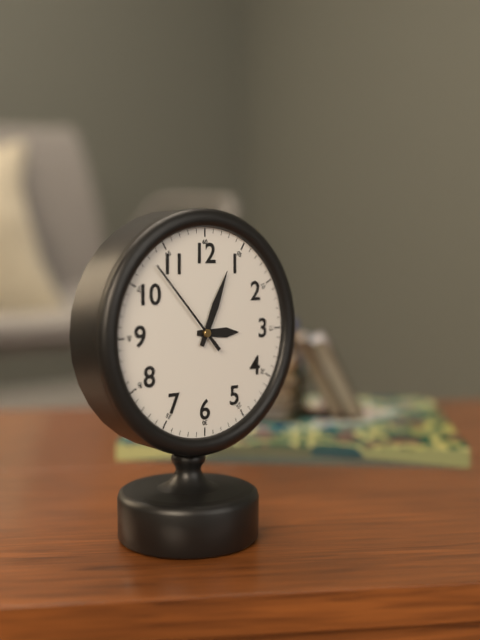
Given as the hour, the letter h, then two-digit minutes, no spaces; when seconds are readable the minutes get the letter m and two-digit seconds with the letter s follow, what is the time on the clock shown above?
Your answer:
3h04m53s
